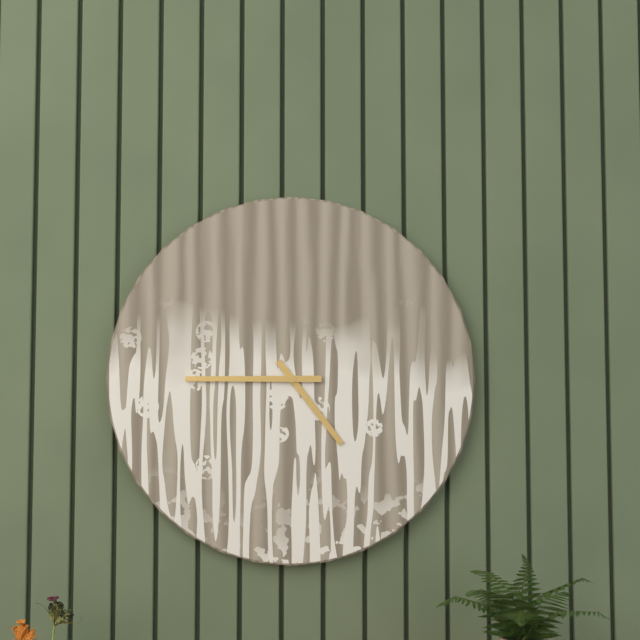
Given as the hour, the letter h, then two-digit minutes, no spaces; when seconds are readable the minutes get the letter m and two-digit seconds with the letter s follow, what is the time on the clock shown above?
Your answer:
4h45
